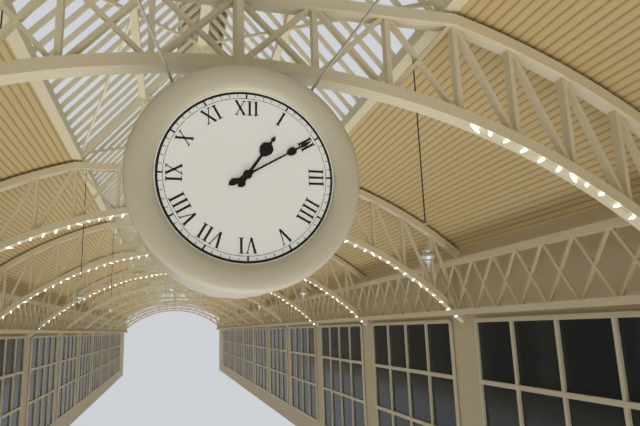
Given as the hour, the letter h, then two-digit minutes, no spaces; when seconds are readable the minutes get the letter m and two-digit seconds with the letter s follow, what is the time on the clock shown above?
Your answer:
1h10
